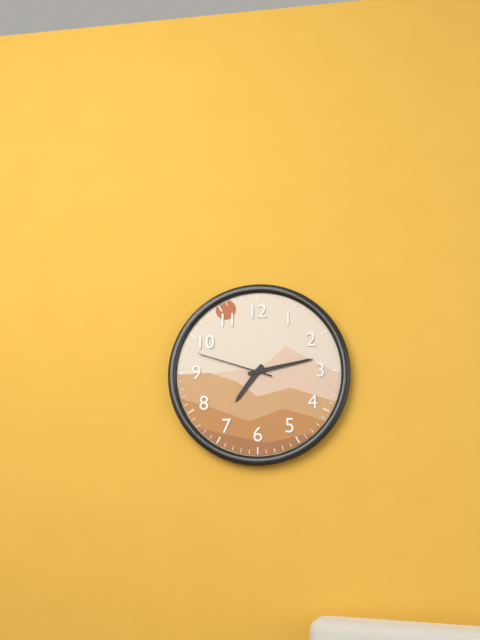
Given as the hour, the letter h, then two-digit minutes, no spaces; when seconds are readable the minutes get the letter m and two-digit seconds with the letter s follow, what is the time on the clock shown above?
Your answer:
7h13m48s
